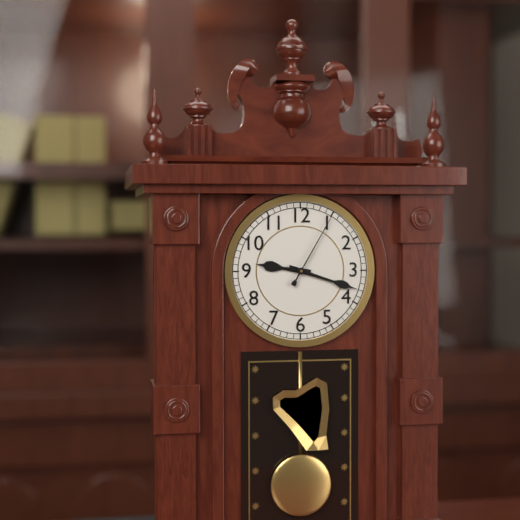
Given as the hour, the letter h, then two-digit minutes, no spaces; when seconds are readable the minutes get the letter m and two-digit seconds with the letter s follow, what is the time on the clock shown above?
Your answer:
9h18m05s
